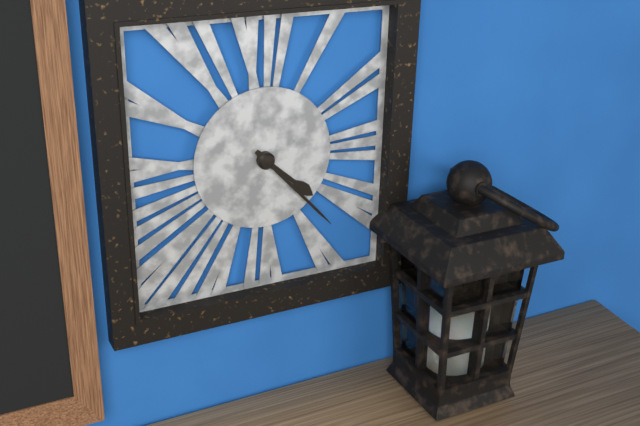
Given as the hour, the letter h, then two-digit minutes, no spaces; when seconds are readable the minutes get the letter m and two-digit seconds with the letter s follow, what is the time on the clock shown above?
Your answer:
4h23
